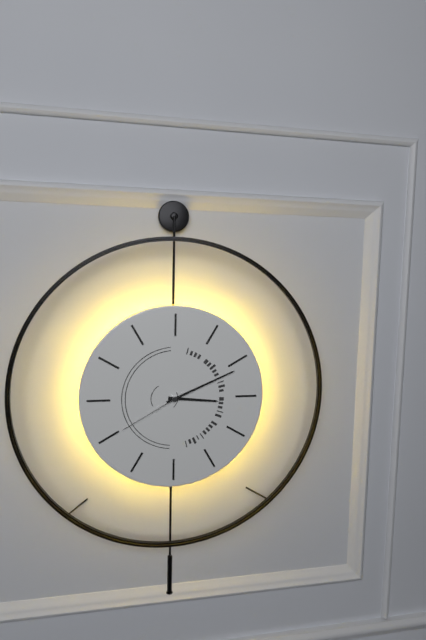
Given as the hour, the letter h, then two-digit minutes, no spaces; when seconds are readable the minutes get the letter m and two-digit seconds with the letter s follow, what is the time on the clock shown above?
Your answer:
3h11m40s
